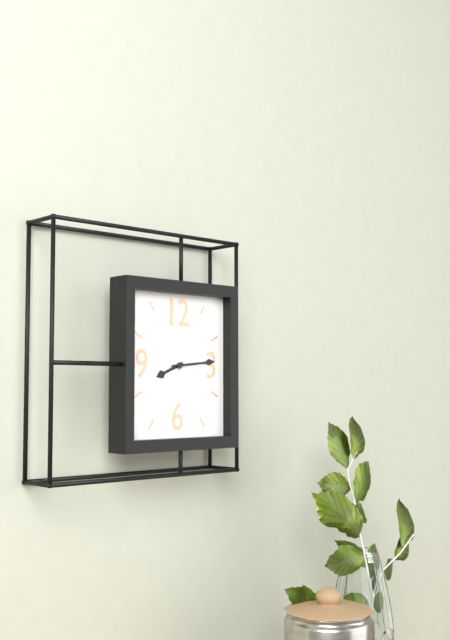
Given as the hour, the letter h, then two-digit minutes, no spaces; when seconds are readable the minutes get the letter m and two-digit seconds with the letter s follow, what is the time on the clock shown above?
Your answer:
8h14
